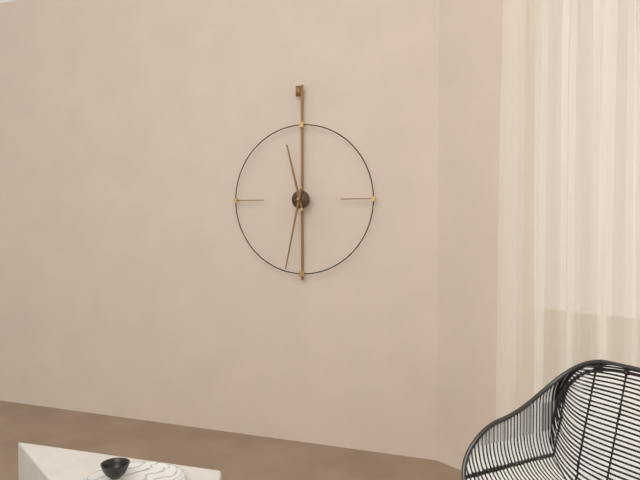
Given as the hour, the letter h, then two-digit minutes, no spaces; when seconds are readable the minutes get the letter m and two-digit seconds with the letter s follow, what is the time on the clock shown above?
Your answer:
11h32
